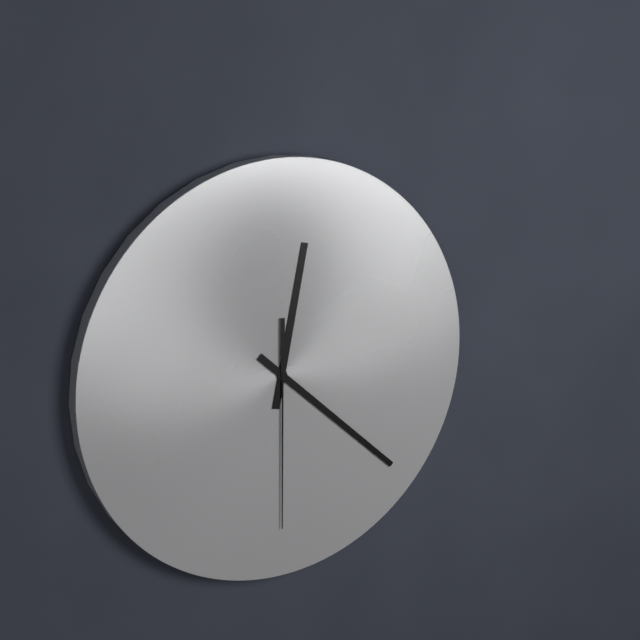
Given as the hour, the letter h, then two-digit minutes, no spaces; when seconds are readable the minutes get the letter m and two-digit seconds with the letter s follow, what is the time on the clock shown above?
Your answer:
12h22m30s
